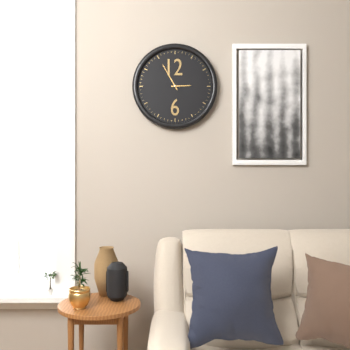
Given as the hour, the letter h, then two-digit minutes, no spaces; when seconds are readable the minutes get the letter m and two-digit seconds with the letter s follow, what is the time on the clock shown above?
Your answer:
2h55
